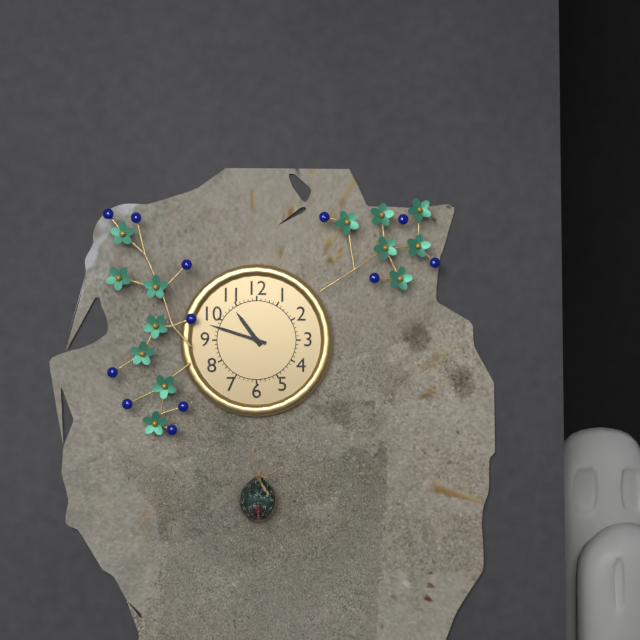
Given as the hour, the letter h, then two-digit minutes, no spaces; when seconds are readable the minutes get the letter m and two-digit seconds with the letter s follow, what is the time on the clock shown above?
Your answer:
10h48
